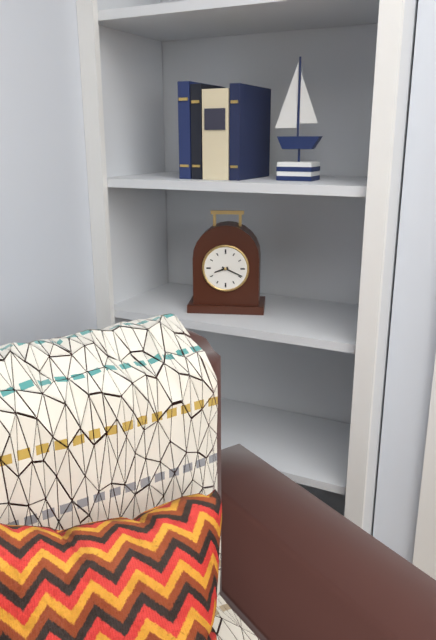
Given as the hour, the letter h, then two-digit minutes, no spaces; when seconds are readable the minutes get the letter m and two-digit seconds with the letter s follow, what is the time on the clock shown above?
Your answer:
8h19
